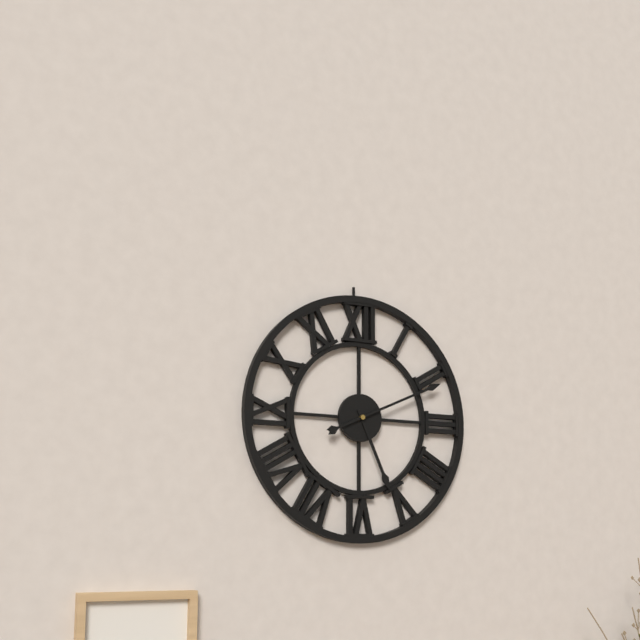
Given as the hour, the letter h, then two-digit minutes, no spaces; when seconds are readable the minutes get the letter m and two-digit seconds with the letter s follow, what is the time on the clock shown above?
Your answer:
5h11
